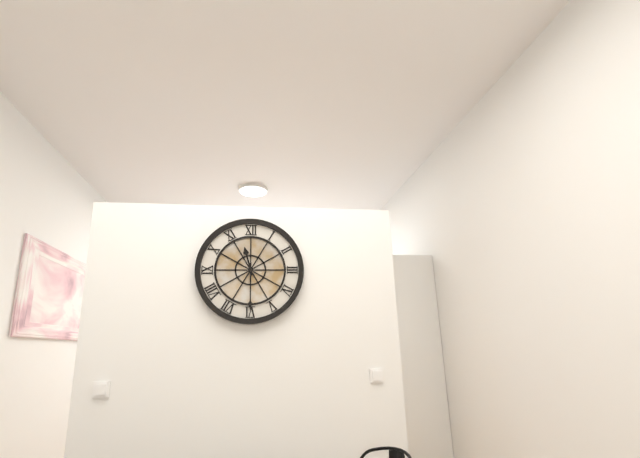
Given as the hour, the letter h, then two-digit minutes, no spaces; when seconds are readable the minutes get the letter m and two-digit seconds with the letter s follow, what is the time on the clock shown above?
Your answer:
11h30
